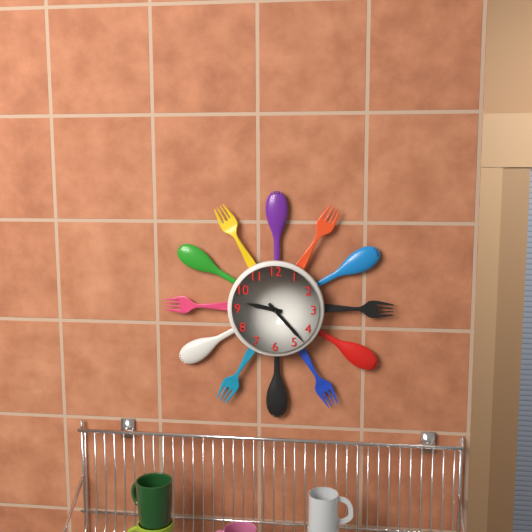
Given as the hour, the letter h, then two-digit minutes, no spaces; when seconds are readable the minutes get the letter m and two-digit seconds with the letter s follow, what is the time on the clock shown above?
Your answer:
9h23
